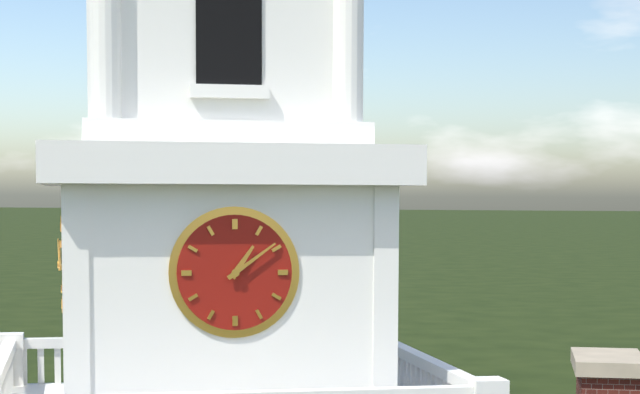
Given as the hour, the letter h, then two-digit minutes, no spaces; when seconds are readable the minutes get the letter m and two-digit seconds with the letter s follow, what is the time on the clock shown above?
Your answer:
1h09
